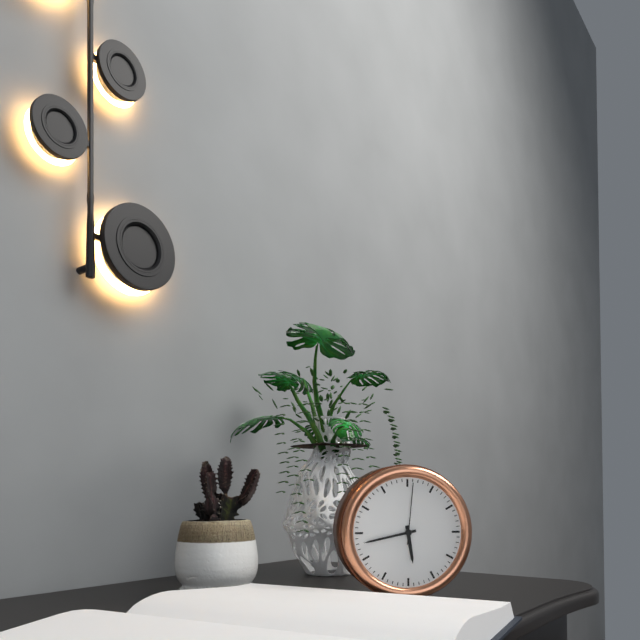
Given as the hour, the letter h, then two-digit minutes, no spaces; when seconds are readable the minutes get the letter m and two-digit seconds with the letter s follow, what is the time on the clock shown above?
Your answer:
5h43m01s
